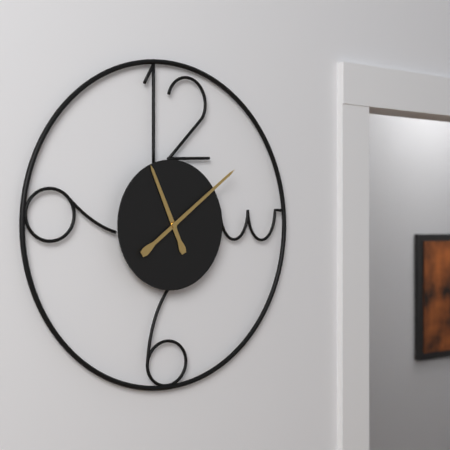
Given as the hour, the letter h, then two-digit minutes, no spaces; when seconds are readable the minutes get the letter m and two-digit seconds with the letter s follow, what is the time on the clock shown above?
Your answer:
11h09
